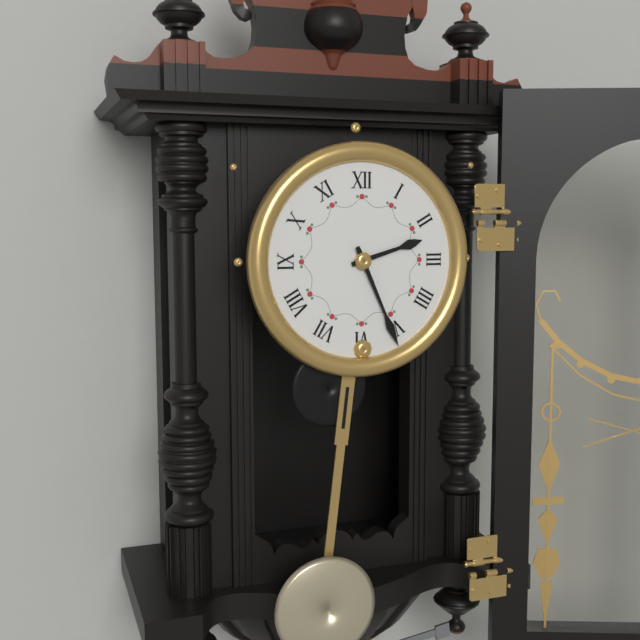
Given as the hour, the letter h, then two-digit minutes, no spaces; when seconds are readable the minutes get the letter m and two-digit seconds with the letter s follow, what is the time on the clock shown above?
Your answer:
2h26
